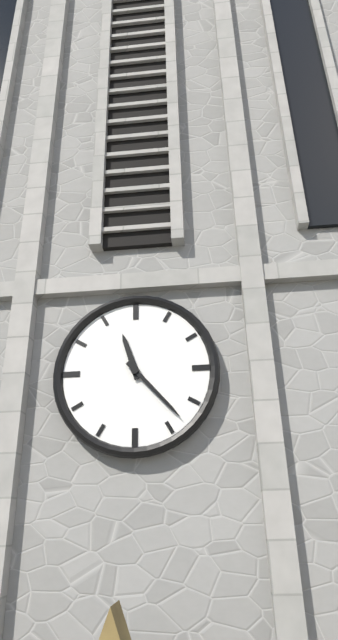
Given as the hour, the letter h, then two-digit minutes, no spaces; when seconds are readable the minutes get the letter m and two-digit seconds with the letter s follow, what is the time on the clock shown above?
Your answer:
11h23
